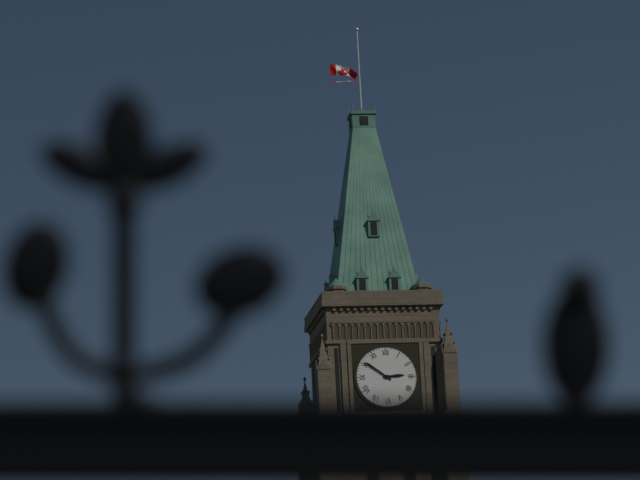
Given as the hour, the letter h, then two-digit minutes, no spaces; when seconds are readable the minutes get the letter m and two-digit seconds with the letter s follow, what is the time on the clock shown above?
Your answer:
2h51
